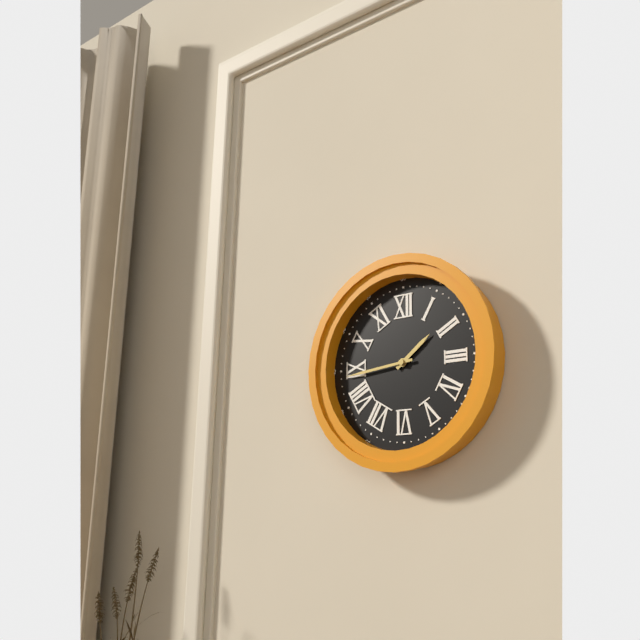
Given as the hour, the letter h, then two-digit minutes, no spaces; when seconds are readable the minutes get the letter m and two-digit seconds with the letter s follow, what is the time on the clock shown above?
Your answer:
1h44
